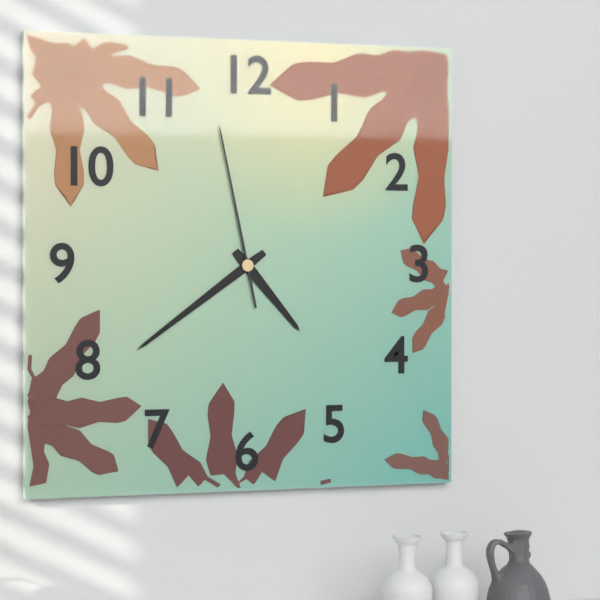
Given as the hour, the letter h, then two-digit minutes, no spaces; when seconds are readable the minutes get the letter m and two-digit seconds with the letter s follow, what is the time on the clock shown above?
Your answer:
4h39m58s
